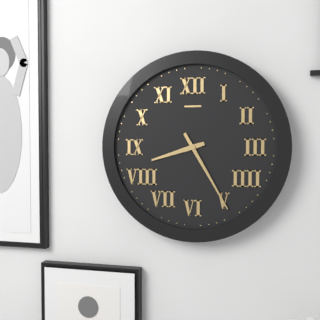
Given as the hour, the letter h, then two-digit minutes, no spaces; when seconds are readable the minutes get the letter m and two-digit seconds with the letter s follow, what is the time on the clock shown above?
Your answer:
8h25
